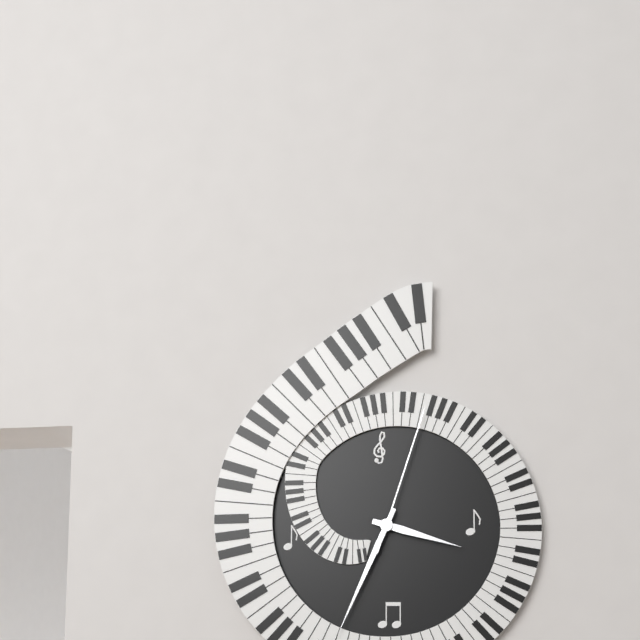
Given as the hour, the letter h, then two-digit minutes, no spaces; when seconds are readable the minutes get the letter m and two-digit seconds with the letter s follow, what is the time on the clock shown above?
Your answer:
3h34m03s
